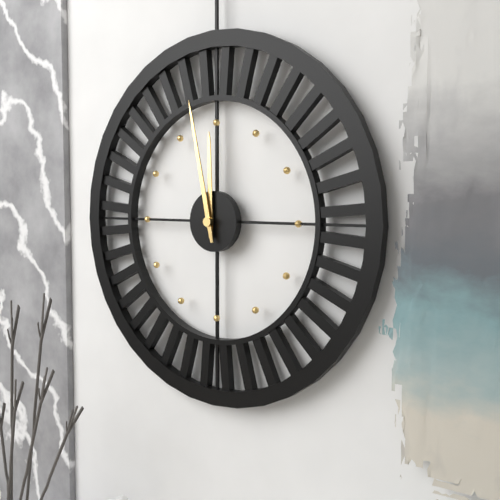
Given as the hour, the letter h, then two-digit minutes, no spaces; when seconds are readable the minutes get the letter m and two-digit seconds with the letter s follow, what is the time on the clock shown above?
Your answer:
11h58
